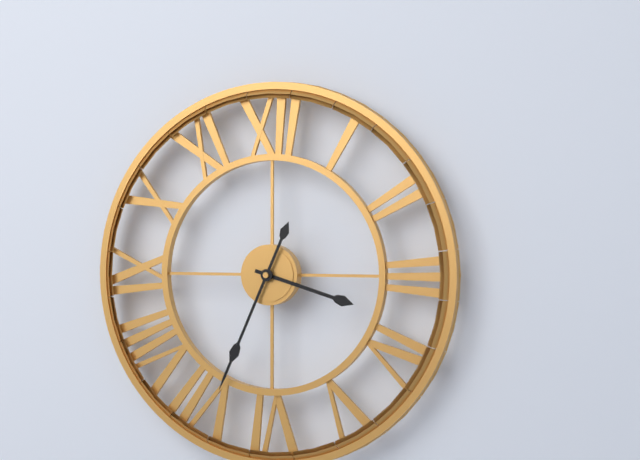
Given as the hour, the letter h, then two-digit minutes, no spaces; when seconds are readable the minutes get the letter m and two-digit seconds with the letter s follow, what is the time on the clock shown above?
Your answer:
3h34
